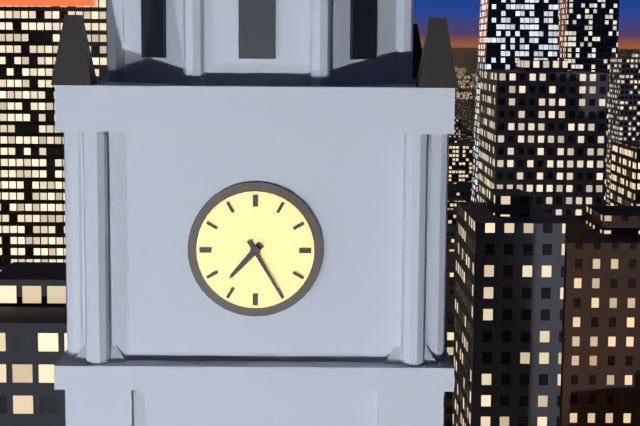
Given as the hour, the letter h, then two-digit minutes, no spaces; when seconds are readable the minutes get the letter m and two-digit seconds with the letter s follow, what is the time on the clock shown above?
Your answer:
7h25
